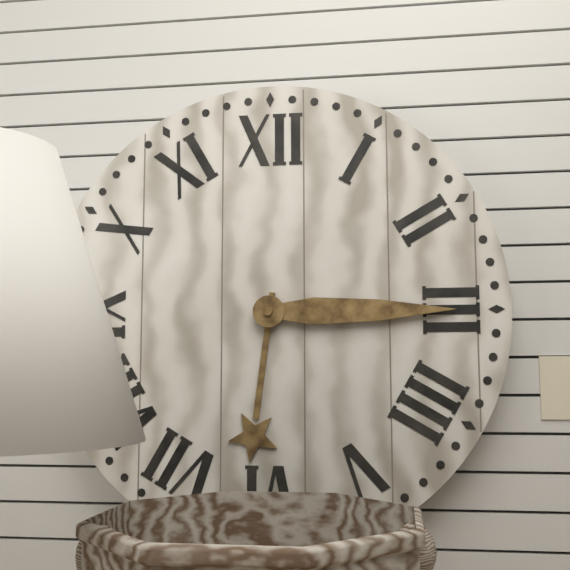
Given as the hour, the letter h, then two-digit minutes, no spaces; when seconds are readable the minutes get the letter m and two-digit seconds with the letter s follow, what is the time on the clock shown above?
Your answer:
6h15
